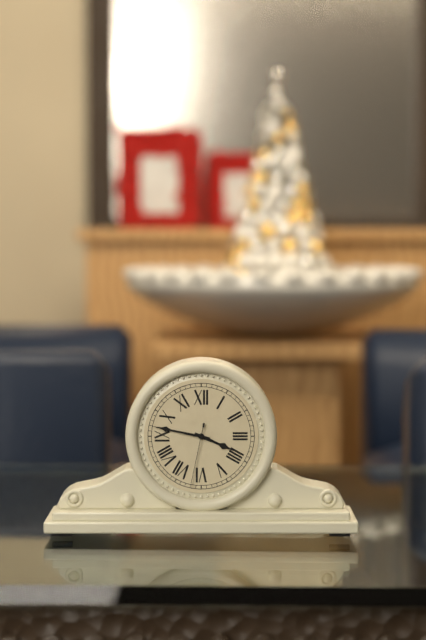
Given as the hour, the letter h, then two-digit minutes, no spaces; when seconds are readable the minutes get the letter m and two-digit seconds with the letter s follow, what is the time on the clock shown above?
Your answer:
3h47m32s
